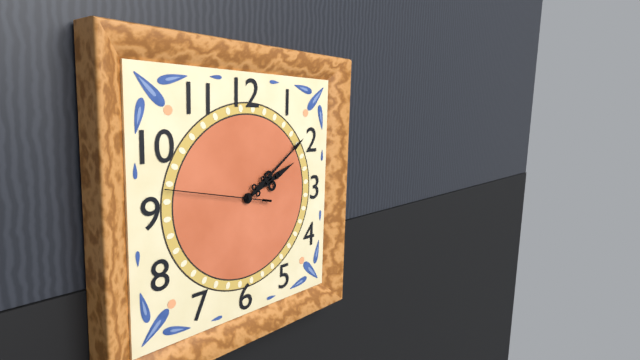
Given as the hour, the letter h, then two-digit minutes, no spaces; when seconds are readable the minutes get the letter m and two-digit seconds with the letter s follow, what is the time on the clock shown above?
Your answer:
2h09m47s
